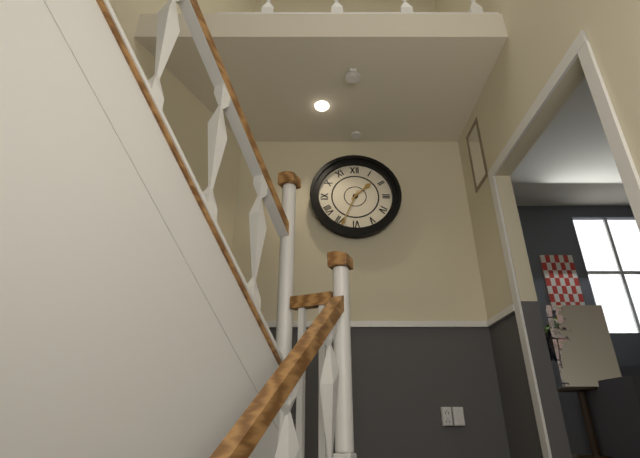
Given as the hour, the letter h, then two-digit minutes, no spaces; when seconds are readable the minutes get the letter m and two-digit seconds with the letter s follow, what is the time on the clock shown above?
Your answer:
1h34
